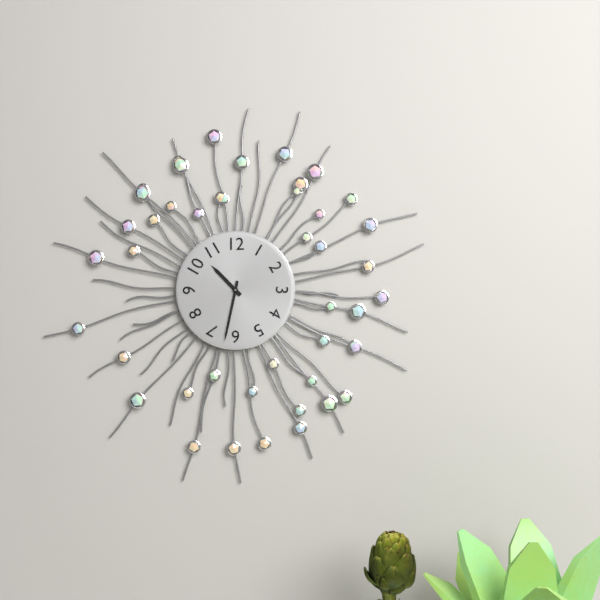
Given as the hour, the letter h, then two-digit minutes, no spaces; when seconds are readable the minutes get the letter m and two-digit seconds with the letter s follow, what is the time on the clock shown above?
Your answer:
10h32
